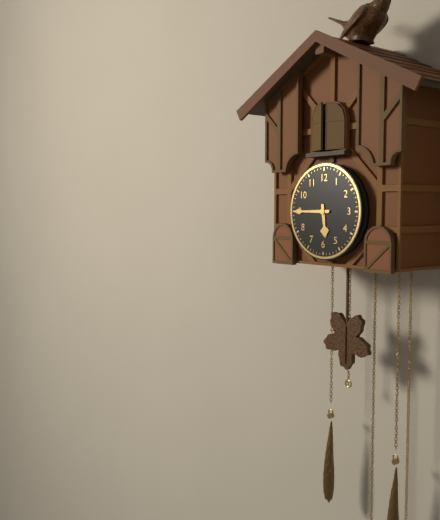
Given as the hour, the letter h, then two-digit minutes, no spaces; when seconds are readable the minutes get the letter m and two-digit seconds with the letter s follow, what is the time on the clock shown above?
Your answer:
5h45
